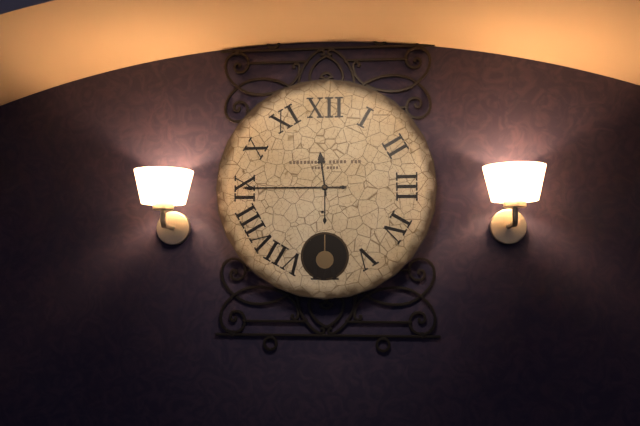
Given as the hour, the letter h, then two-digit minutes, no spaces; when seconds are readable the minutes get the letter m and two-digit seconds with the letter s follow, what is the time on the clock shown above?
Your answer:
11h45
